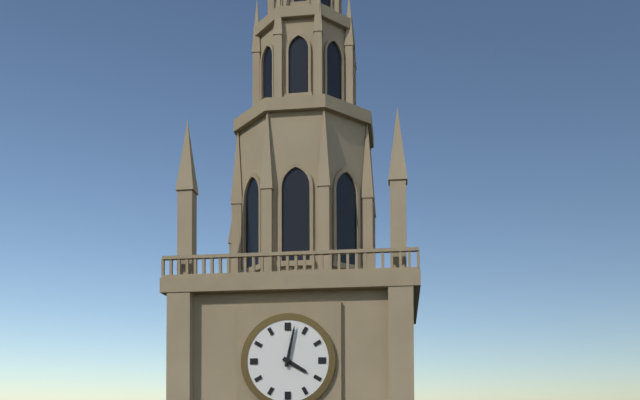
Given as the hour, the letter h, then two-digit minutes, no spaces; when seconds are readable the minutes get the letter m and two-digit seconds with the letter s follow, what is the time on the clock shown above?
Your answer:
4h02
